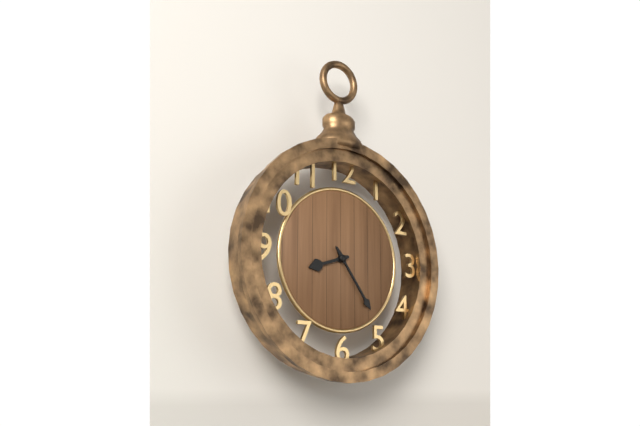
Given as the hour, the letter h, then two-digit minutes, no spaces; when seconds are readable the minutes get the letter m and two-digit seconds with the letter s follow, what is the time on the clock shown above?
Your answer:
8h24
